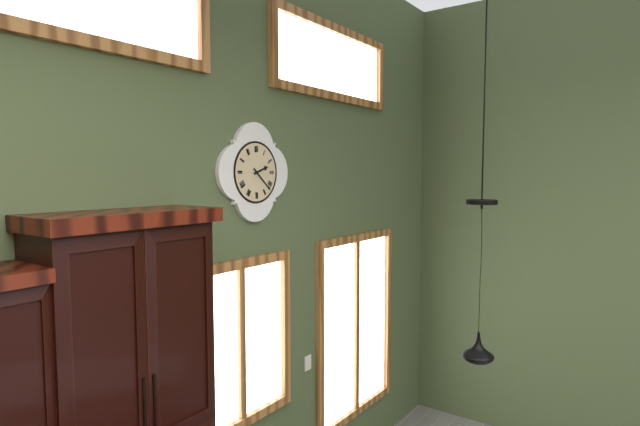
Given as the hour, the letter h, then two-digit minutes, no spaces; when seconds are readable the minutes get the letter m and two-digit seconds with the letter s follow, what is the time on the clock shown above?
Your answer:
2h22
